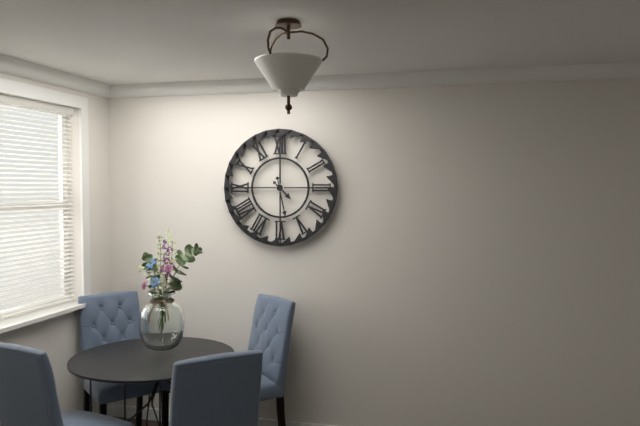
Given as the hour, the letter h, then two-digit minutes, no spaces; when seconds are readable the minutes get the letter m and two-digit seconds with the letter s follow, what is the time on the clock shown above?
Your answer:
4h28
